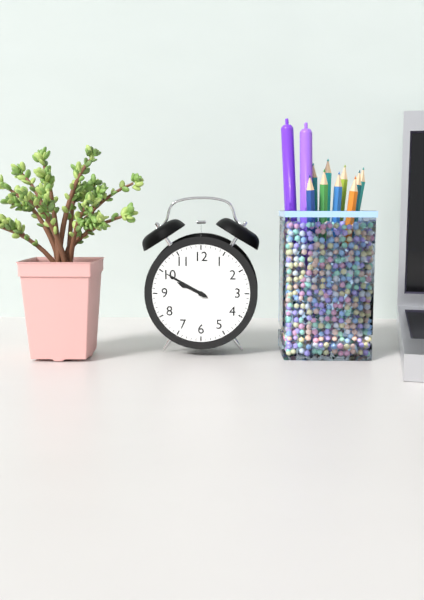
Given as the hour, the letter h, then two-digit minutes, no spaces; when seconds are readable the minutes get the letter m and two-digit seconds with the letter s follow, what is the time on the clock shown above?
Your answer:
9h50
